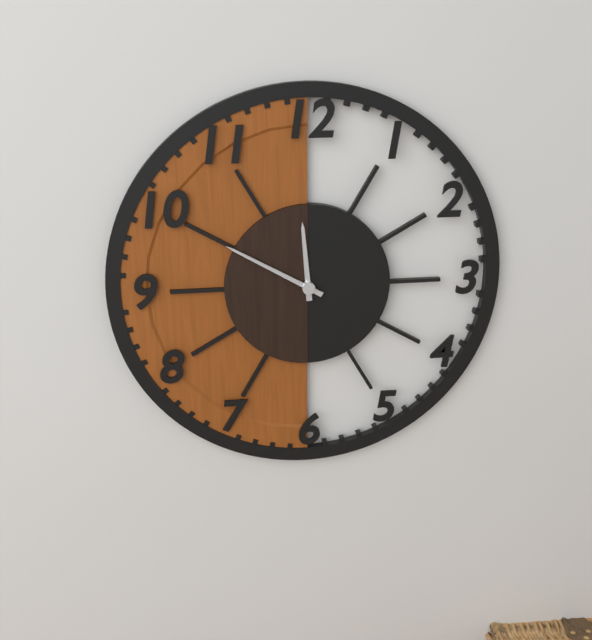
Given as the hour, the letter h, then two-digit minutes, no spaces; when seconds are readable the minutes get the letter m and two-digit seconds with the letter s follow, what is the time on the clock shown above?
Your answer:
11h50
